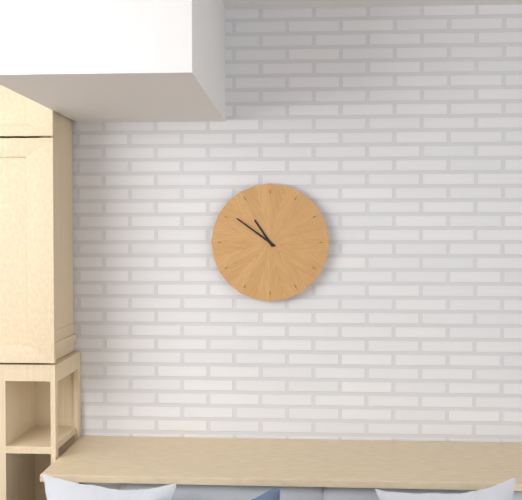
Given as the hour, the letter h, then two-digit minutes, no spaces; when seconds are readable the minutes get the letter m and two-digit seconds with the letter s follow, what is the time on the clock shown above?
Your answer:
10h51
